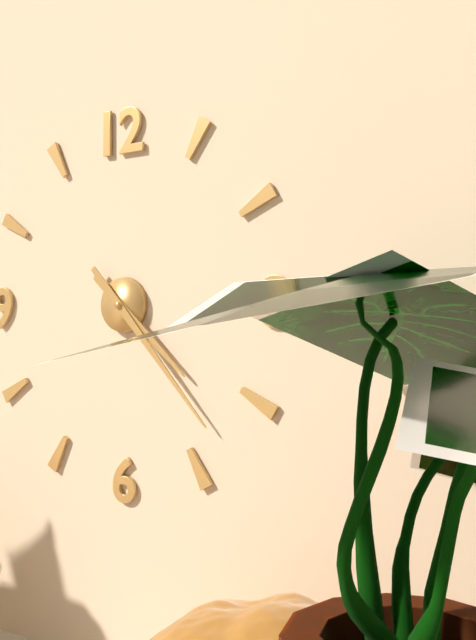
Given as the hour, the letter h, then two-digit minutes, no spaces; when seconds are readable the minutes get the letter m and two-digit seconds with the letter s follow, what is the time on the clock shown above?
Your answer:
4h23
